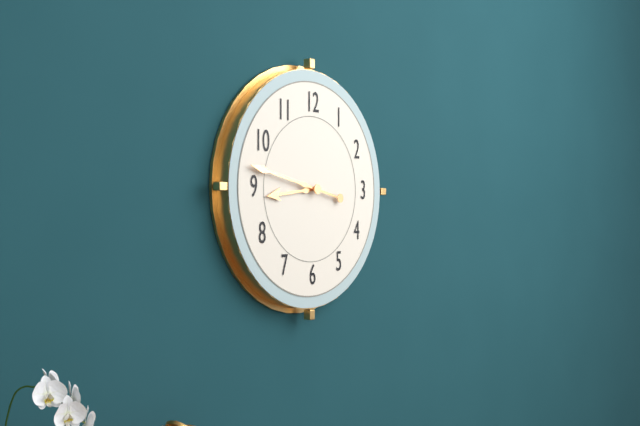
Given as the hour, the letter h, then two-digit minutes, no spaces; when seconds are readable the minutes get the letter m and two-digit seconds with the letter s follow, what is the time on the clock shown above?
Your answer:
8h47
